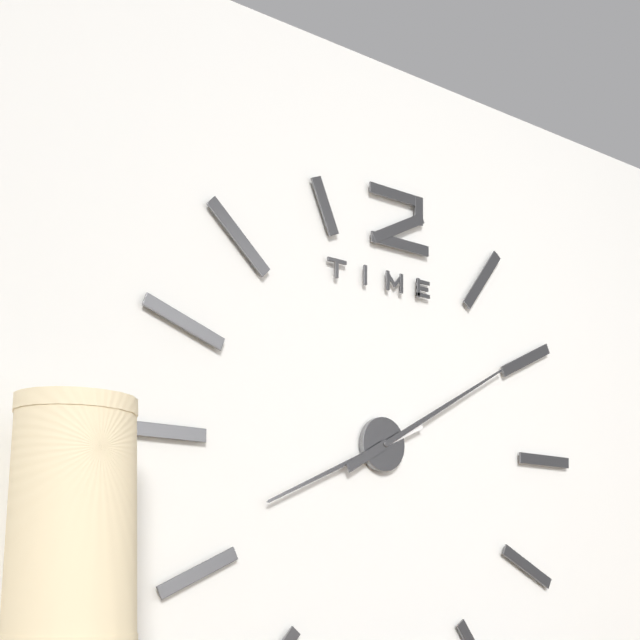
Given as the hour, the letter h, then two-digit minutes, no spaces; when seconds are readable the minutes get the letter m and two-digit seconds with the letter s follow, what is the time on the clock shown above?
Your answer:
8h10
